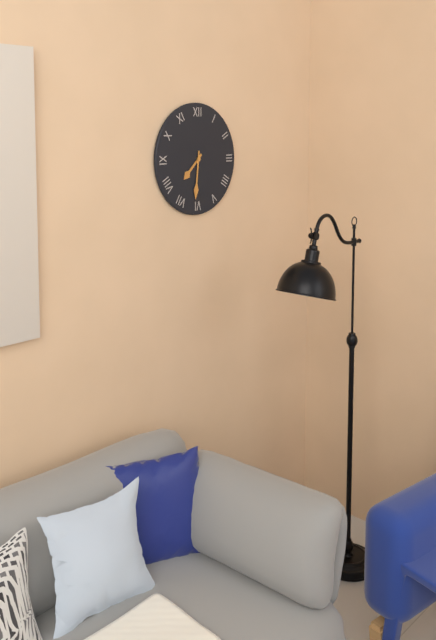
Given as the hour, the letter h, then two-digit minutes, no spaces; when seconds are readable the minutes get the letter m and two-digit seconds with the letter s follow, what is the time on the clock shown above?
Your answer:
7h31
